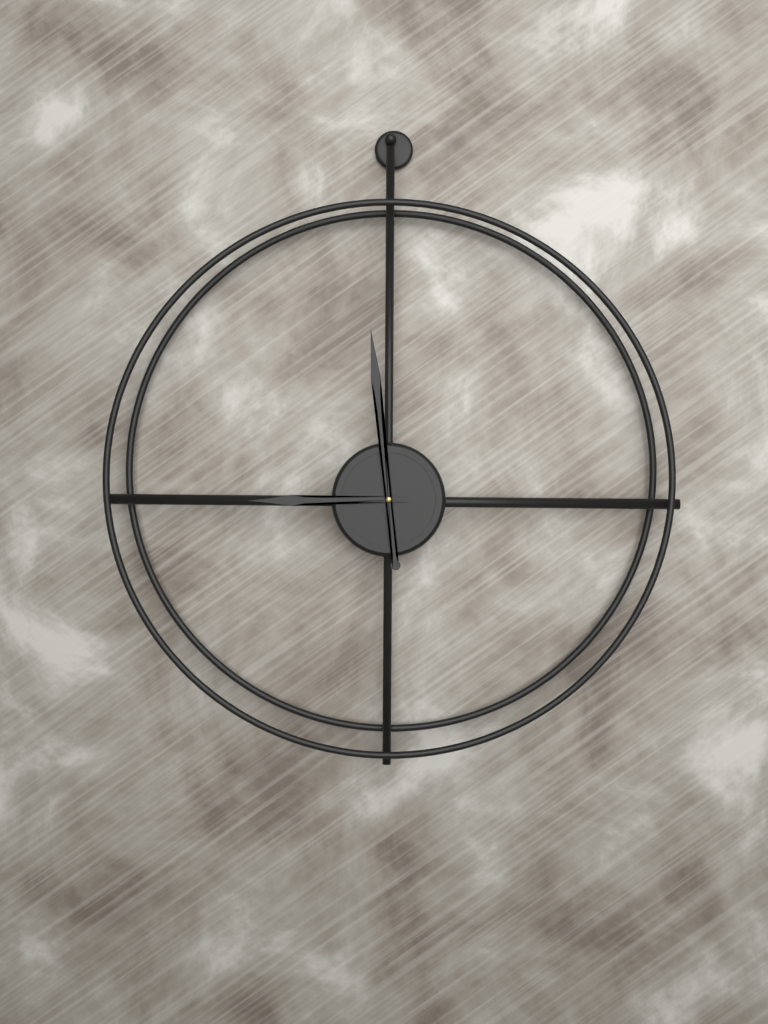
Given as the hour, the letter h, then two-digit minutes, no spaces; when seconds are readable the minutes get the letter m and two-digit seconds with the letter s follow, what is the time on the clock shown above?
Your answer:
8h59
